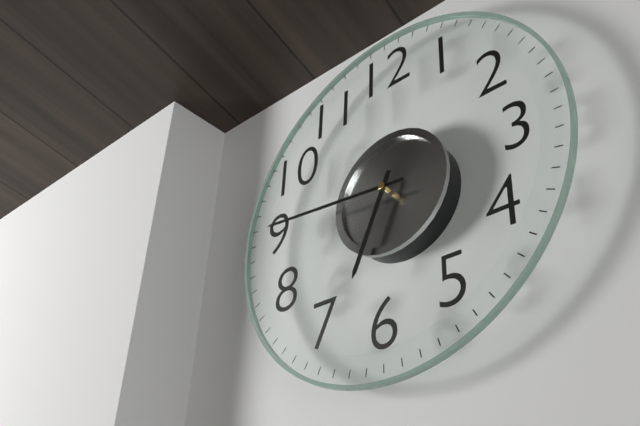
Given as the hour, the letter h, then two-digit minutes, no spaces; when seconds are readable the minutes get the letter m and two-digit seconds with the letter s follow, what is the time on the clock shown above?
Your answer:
6h46
